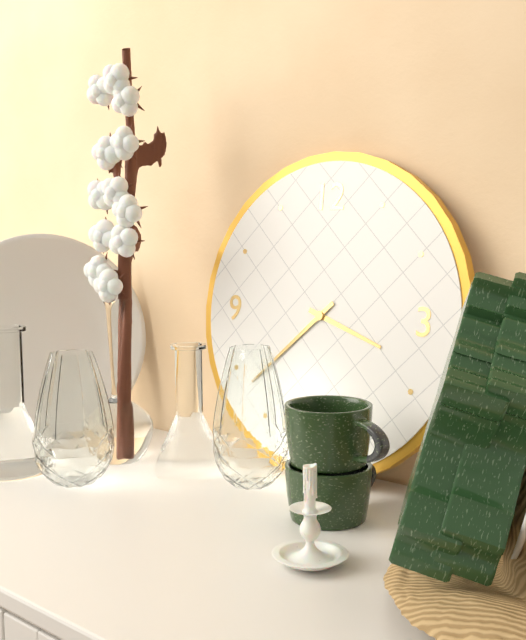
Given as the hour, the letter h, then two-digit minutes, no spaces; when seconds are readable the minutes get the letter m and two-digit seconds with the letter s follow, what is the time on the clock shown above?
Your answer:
3h38
